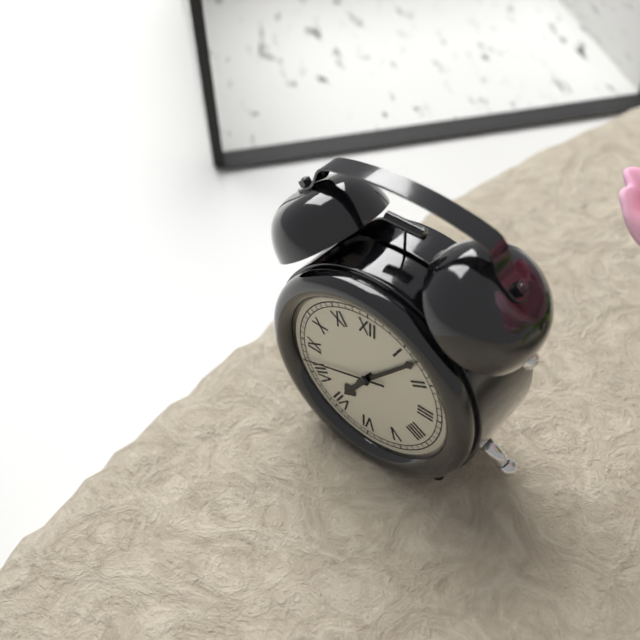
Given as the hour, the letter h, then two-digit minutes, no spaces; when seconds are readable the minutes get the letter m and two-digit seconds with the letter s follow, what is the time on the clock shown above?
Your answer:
7h07m42s
